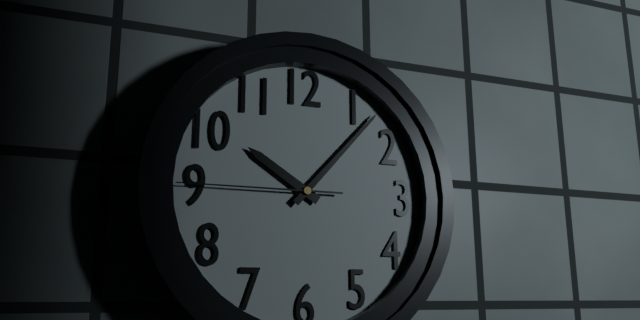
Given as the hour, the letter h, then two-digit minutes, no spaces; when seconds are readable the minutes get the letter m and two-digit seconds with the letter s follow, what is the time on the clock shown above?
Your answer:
10h07m45s
